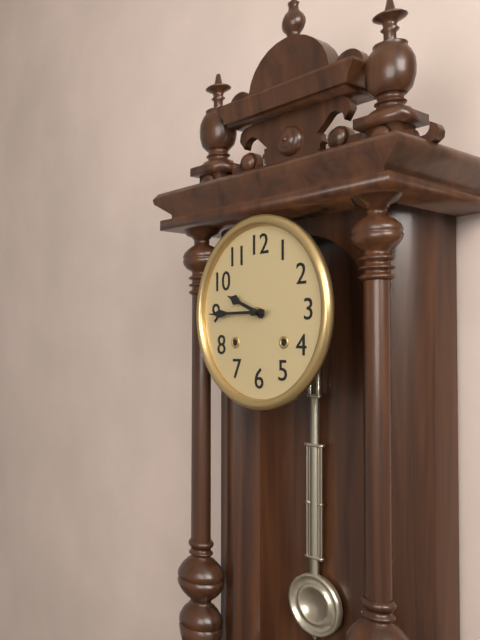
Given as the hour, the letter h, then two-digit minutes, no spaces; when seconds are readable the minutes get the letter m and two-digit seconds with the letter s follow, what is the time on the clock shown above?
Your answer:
9h45
